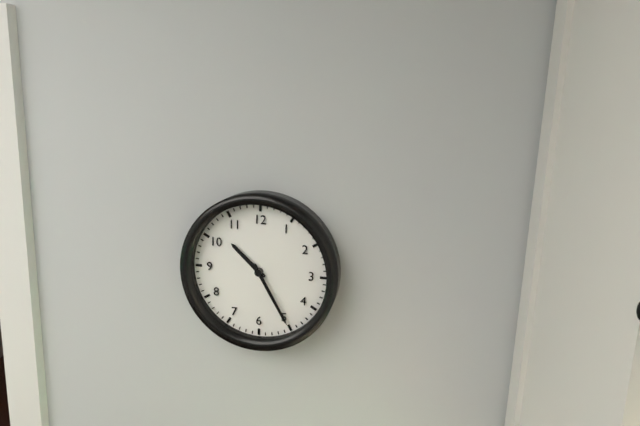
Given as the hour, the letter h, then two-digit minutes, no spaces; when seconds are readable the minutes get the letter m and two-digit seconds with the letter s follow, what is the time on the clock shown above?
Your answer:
10h25
